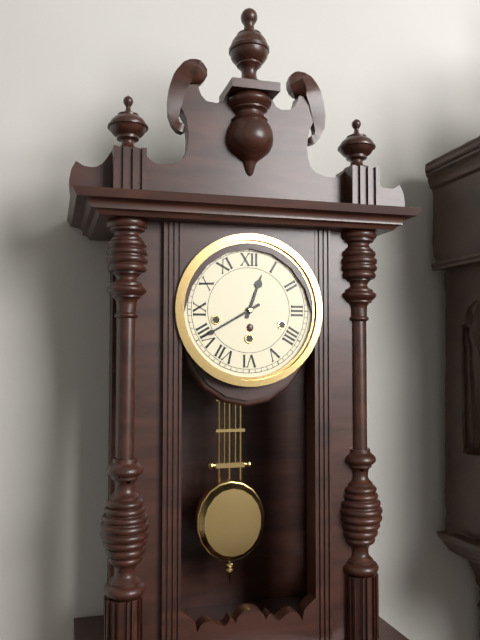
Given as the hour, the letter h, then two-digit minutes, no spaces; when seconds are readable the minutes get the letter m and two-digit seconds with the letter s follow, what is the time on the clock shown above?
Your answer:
12h40
